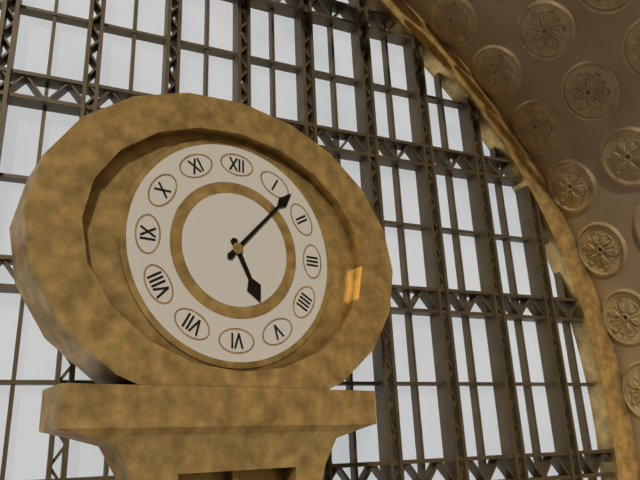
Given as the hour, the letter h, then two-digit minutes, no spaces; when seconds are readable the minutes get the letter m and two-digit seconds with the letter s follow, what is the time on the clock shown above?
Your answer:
5h07
